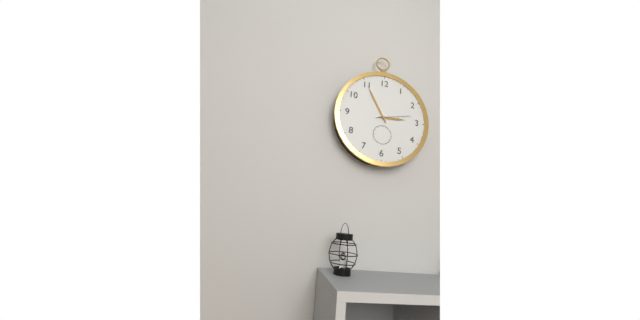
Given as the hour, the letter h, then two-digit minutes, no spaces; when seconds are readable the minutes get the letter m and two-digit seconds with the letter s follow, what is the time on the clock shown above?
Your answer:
2h55
